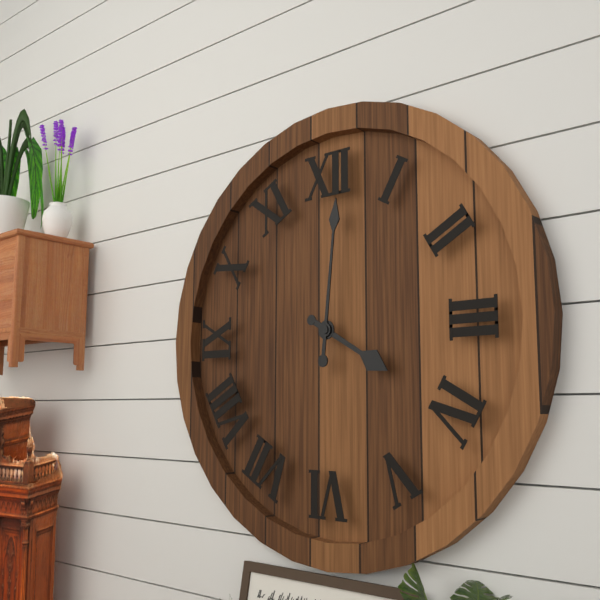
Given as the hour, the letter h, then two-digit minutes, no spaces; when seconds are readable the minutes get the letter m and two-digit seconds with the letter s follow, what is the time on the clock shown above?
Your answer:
4h01
